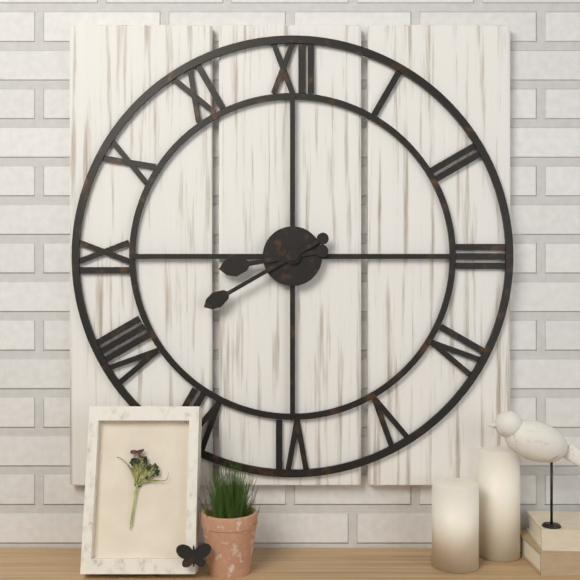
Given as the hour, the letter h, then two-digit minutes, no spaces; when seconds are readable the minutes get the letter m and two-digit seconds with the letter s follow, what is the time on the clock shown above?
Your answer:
8h40
